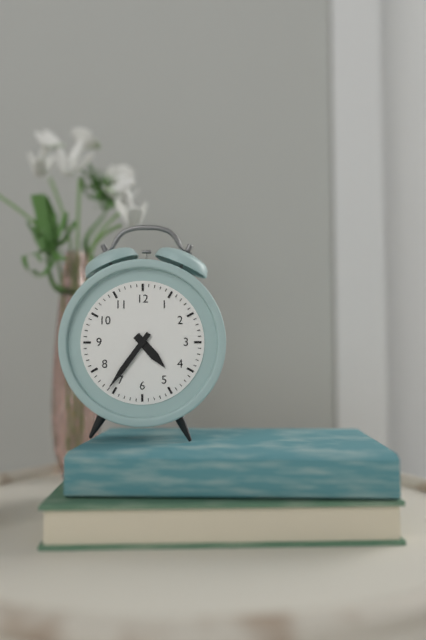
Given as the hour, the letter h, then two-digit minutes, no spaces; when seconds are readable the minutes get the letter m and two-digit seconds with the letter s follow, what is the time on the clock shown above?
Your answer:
4h36
